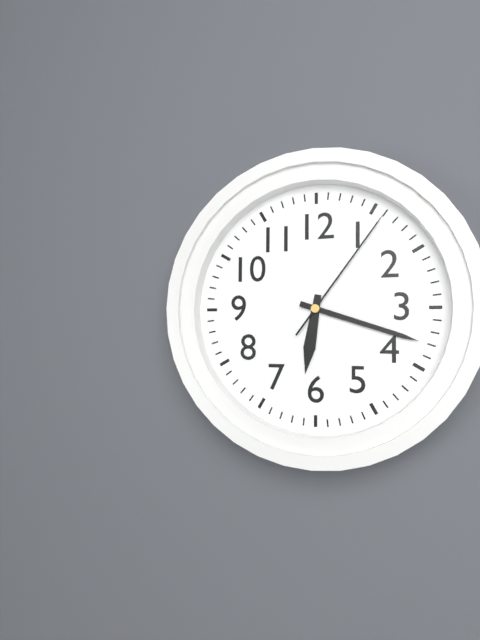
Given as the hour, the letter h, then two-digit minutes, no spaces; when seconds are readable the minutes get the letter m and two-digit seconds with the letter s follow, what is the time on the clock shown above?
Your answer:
6h18m06s
